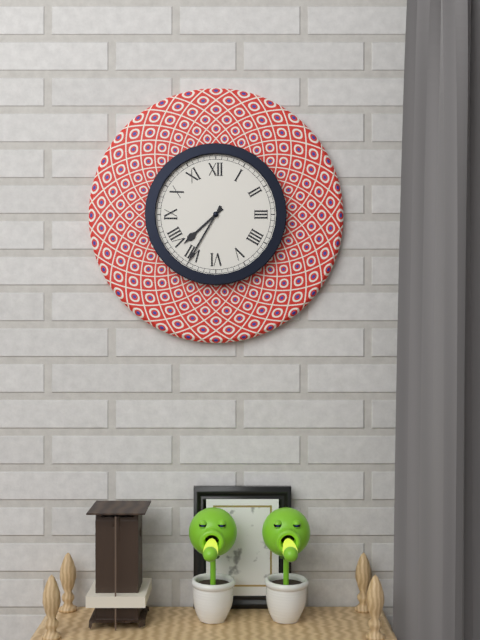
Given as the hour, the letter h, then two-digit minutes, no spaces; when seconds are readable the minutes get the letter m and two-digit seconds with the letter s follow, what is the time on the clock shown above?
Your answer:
7h35
